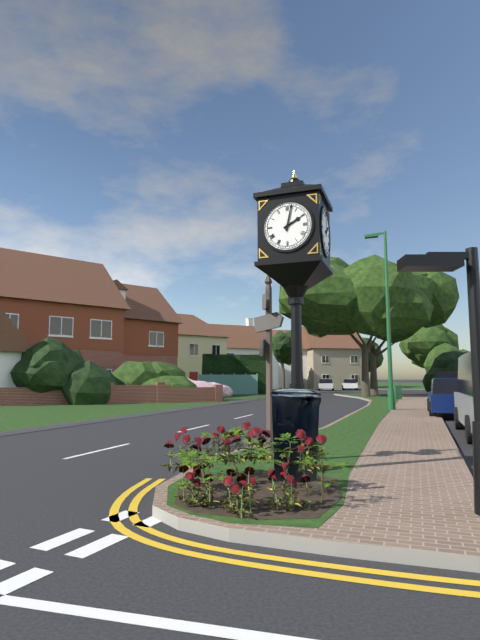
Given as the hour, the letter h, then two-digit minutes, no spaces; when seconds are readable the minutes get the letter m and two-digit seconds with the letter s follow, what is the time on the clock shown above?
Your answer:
2h02
